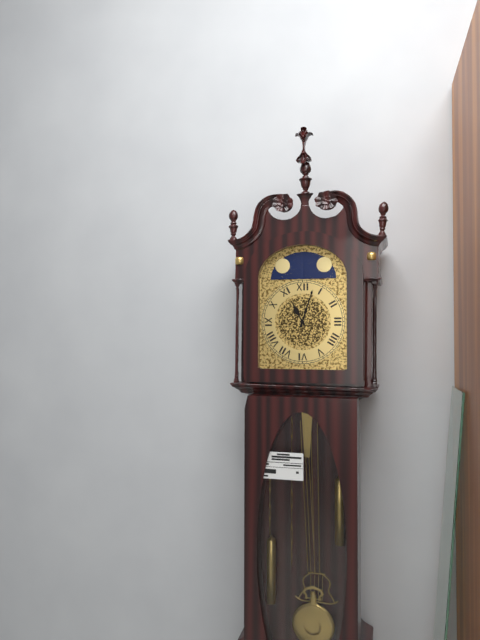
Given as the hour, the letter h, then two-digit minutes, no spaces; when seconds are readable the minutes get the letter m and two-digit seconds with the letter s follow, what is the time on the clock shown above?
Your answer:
11h03
